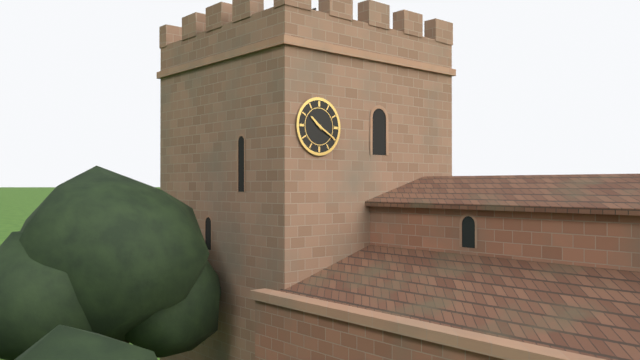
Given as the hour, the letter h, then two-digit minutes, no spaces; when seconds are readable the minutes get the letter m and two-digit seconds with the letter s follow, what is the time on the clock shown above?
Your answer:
10h20
